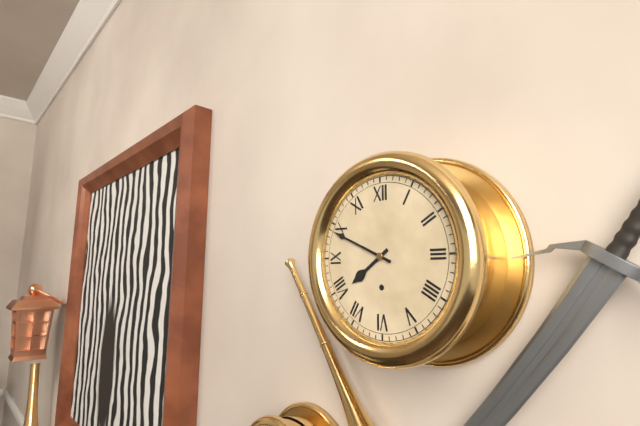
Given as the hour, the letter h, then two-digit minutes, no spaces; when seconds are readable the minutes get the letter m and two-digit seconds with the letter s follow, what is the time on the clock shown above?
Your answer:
7h49
